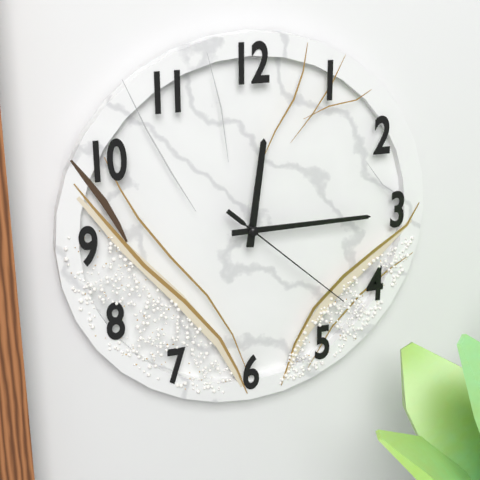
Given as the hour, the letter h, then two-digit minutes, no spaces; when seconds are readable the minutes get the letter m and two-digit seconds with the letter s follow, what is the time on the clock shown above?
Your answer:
12h15m22s
